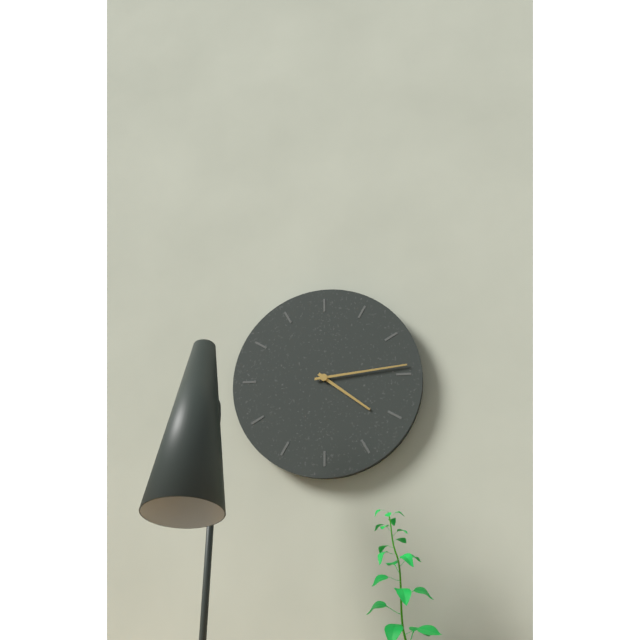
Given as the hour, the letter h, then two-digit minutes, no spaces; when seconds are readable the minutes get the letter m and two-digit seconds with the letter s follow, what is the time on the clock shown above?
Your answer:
4h14
